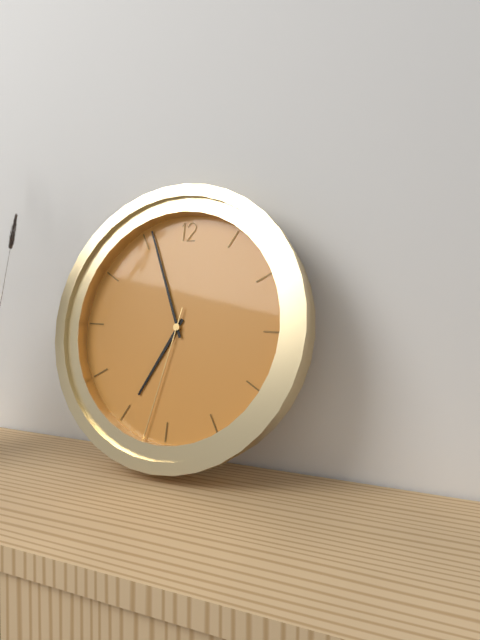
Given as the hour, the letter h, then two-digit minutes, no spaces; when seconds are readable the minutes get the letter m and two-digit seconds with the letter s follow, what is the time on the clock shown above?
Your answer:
6h56m32s
